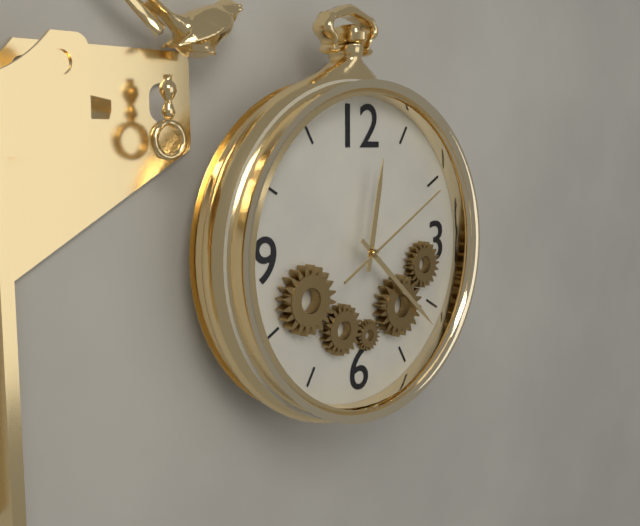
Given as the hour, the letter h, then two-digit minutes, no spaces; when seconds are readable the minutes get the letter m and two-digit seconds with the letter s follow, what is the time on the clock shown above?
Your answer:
12h22m10s
